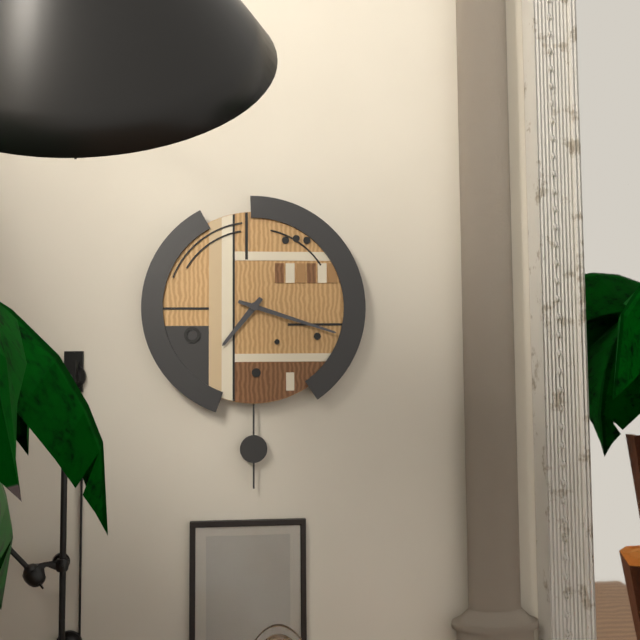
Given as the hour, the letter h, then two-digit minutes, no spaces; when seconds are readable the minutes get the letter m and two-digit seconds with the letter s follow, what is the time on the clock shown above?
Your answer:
7h18
